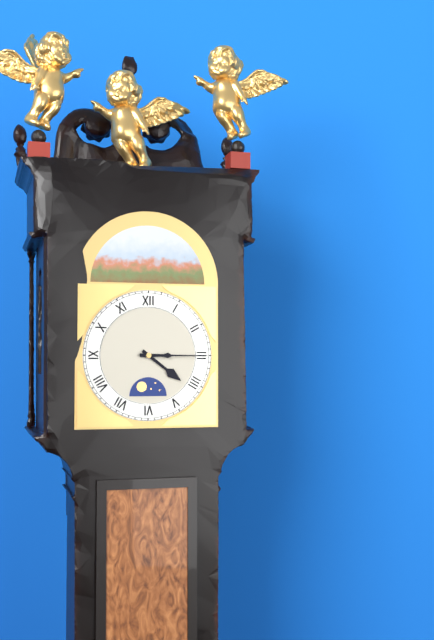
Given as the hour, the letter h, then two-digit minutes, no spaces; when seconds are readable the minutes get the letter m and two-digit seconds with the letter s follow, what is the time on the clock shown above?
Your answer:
4h15
